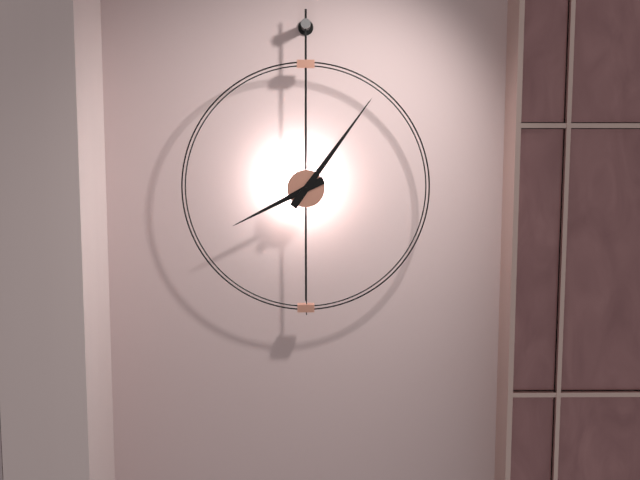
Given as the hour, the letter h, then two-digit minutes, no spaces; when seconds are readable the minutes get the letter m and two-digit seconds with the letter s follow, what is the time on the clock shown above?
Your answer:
8h06
